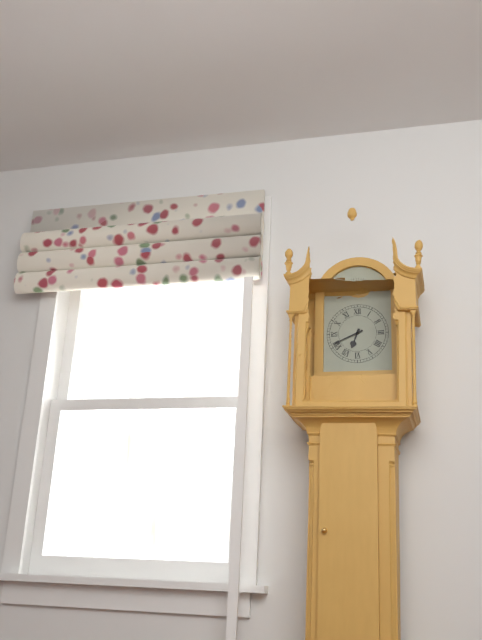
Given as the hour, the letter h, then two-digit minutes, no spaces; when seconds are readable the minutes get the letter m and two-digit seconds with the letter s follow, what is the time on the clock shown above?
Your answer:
6h41
